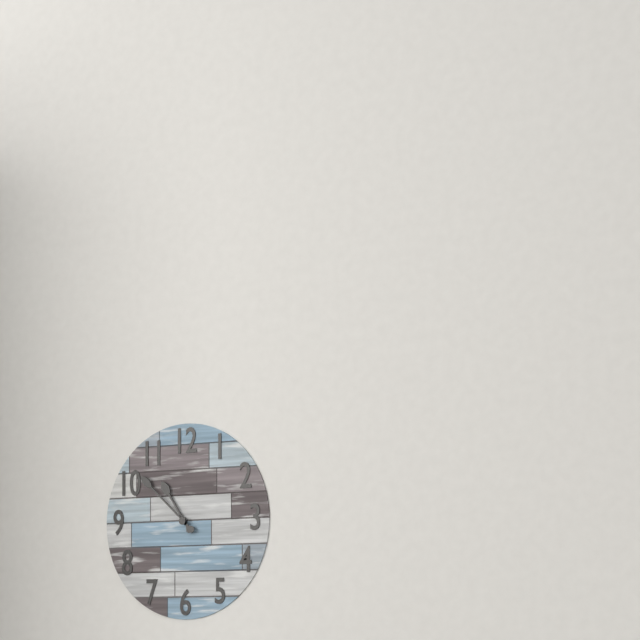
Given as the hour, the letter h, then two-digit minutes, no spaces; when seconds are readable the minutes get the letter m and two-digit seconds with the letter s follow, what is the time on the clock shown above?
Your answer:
10h52
